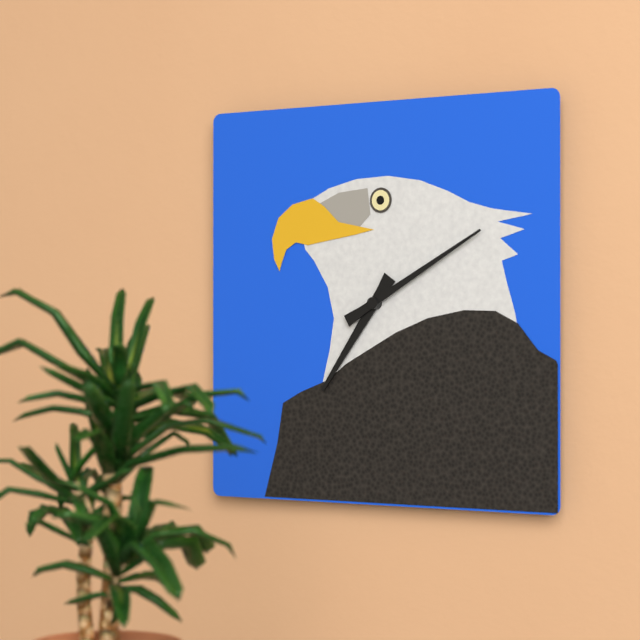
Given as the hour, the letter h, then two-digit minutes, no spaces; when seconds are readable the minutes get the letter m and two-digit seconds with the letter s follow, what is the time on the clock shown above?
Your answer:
7h10
